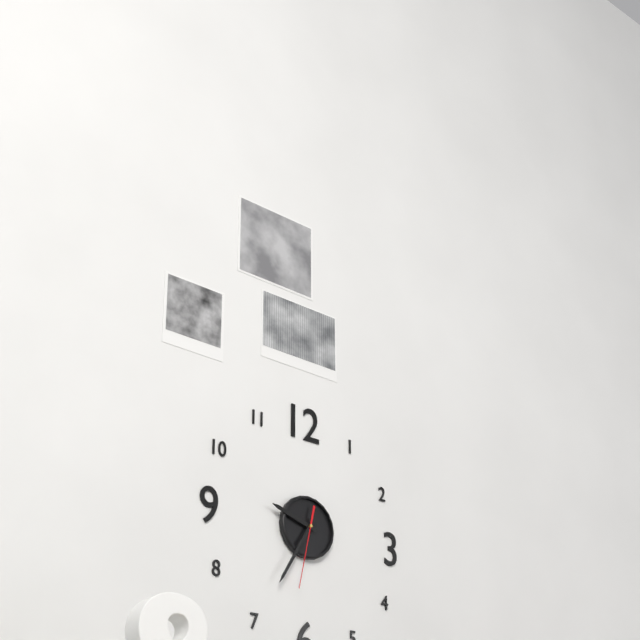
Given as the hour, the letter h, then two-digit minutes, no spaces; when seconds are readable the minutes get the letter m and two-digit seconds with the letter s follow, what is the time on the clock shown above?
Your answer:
9h35m32s
